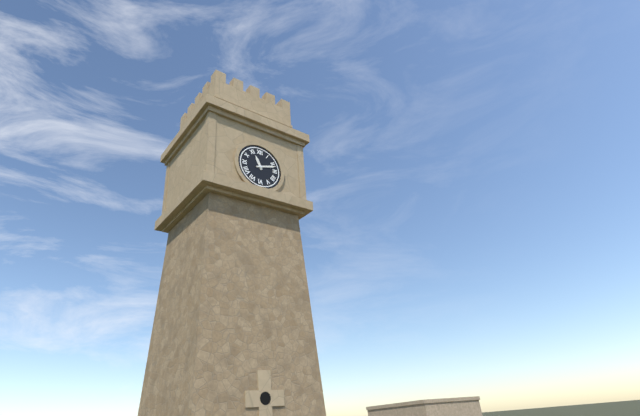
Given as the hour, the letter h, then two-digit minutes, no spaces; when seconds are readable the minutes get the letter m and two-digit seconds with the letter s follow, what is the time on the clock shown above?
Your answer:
11h12
